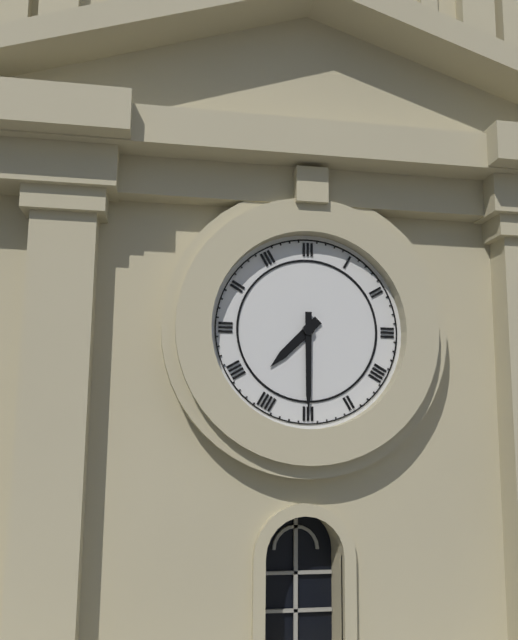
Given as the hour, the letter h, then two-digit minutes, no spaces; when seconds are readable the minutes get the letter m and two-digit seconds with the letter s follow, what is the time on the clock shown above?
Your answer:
7h30
